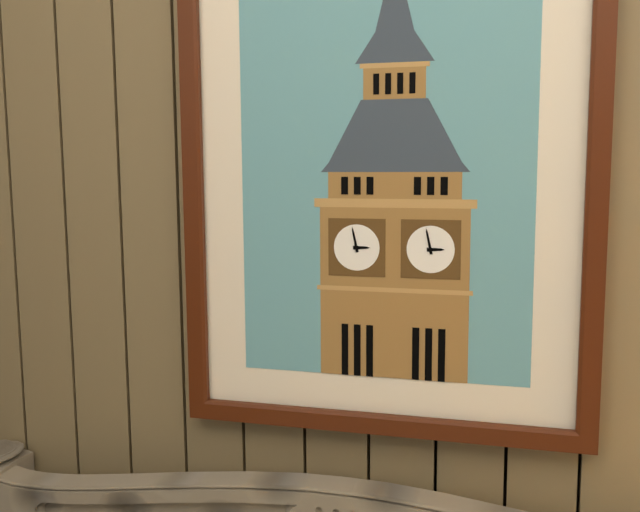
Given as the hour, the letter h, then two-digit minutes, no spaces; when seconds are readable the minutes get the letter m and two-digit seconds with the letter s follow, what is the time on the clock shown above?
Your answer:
2h58
